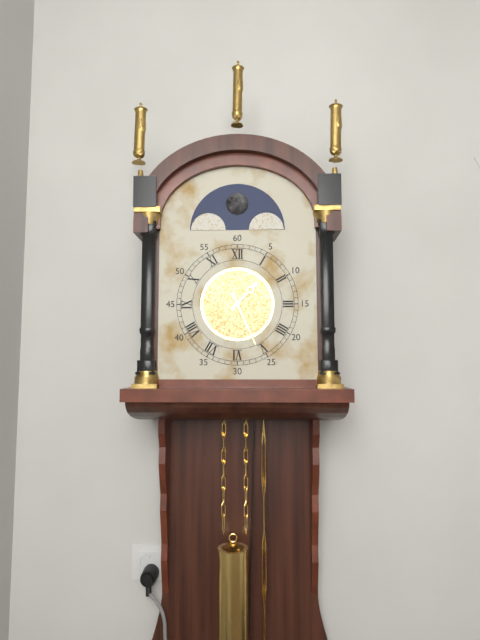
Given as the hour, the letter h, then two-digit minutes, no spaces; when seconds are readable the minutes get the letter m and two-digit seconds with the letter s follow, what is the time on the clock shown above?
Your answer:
1h26
